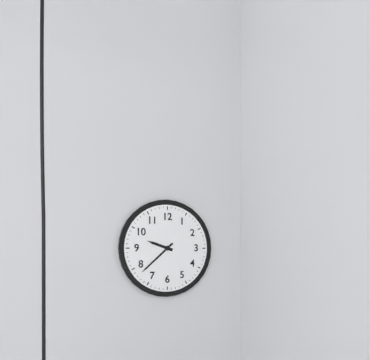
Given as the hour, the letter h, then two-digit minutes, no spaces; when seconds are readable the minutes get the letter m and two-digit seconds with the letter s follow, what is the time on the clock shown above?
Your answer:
9h38
